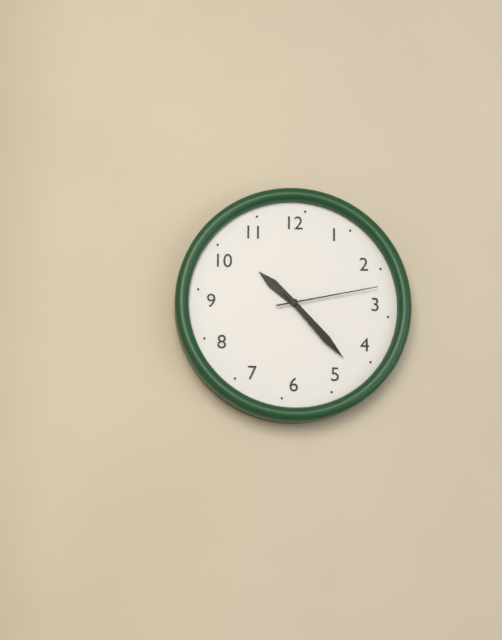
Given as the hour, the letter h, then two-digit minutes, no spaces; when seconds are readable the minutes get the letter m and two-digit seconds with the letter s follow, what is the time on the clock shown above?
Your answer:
10h23m13s
